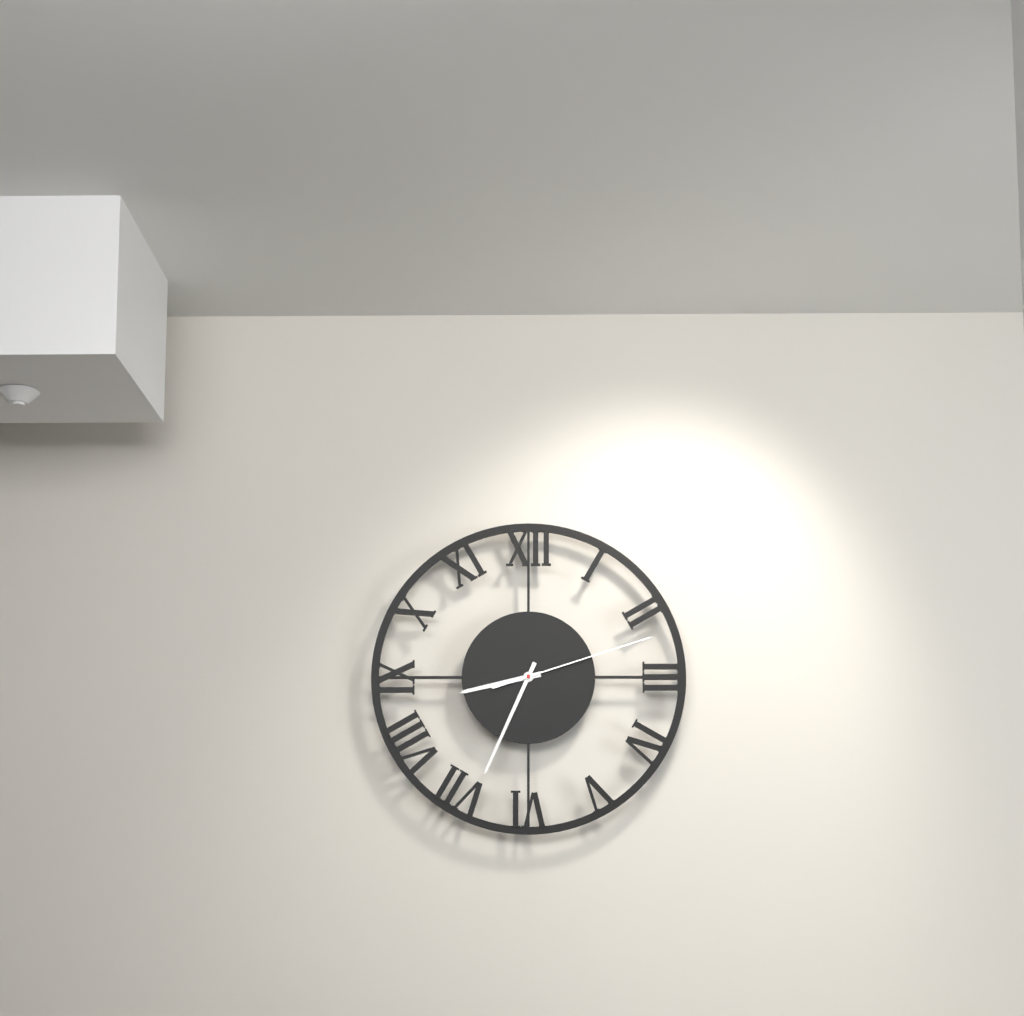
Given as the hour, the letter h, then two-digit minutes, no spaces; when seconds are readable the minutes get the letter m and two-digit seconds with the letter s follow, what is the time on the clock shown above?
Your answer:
8h34m12s
